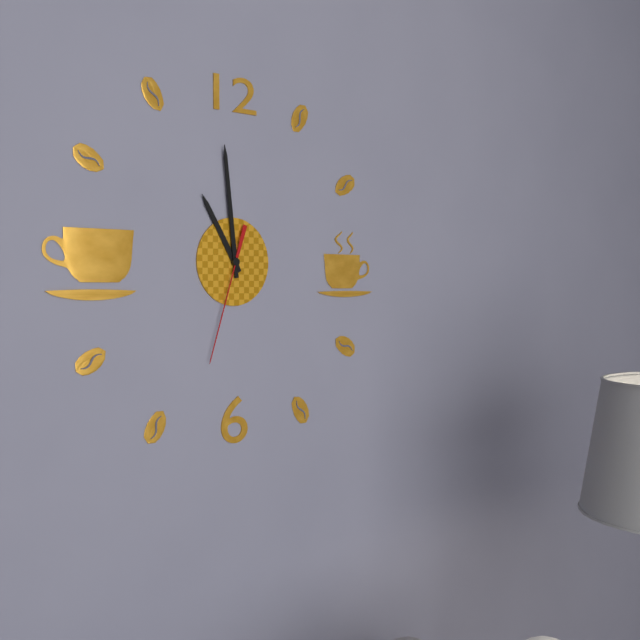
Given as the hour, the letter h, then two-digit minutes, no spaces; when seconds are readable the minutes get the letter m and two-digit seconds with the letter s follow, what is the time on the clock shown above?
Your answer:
10h59m33s
